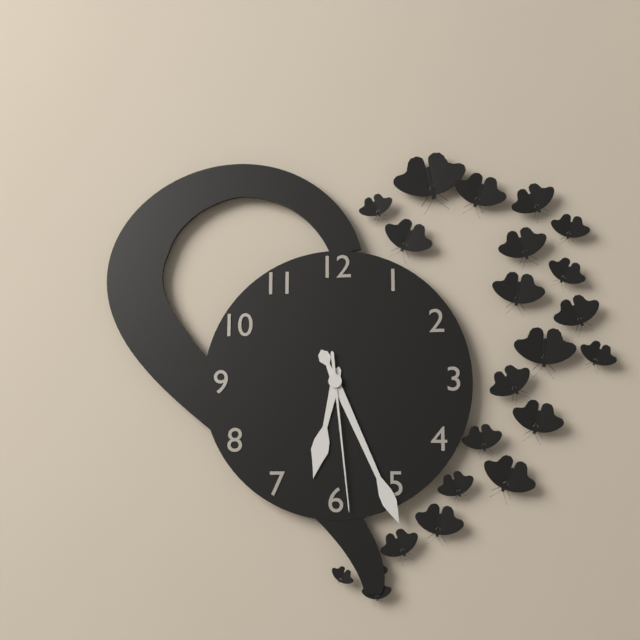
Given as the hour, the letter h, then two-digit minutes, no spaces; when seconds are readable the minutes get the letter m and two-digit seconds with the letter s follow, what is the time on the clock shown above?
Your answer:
6h26m29s
